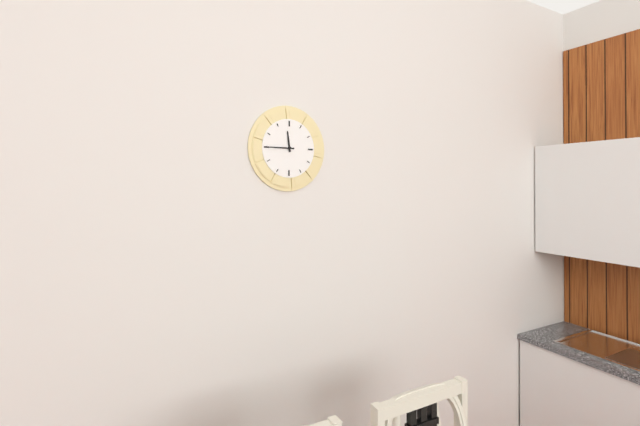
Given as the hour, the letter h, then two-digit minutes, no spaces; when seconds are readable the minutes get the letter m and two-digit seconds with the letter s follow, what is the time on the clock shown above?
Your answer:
11h45
